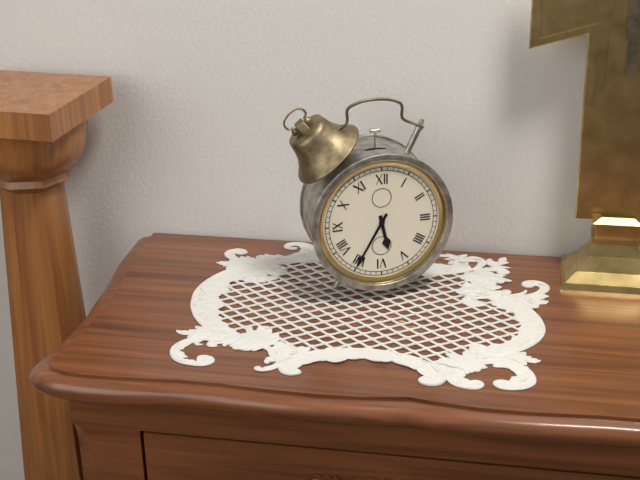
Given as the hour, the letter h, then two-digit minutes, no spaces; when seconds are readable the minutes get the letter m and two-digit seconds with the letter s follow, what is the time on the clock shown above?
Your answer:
5h35
